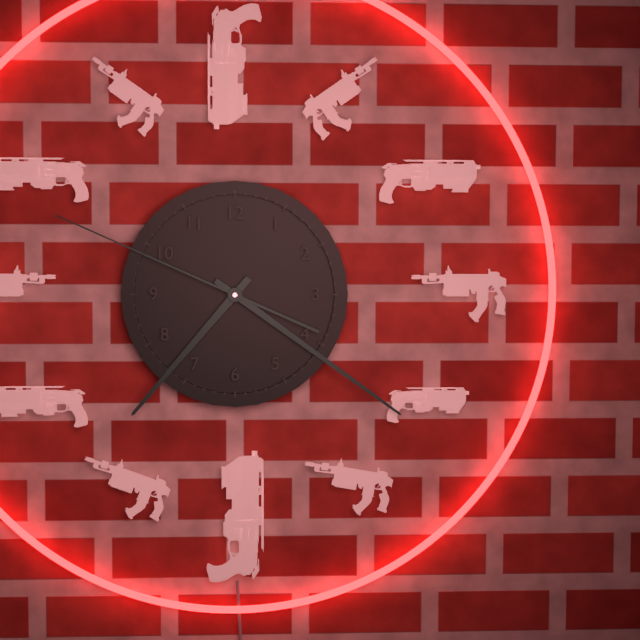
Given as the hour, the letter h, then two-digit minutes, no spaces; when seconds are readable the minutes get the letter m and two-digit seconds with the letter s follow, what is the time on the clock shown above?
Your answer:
7h21m49s
